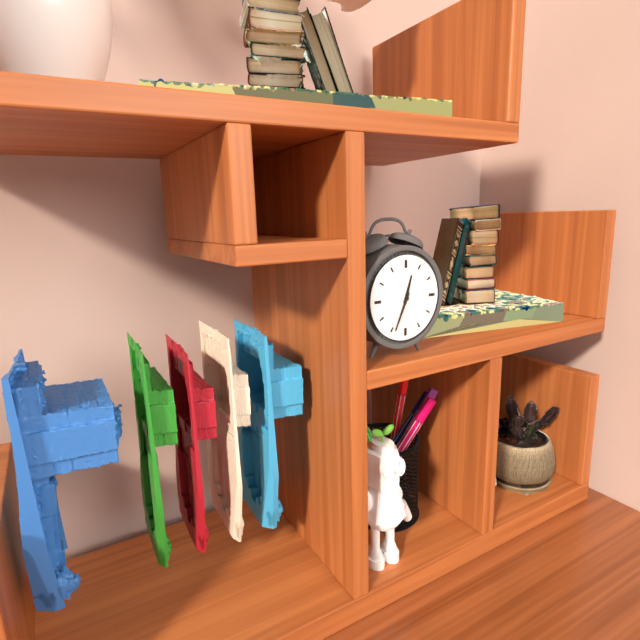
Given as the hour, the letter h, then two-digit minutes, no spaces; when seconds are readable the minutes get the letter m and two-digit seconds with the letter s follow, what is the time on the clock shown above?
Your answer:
12h34
